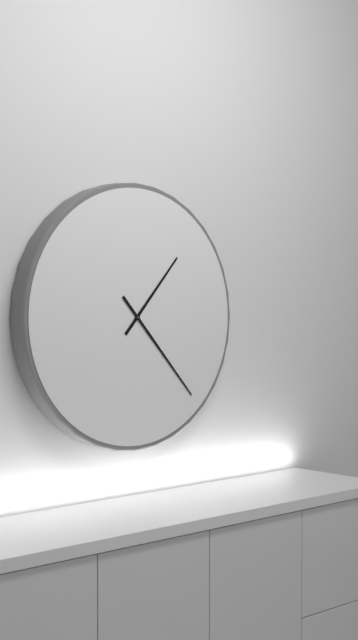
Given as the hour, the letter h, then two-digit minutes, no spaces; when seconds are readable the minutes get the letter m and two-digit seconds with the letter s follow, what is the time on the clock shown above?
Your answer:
1h23
